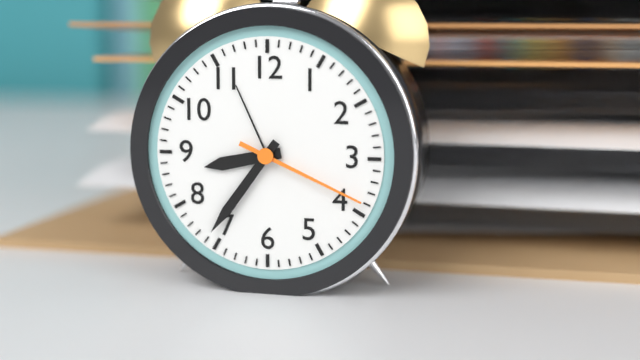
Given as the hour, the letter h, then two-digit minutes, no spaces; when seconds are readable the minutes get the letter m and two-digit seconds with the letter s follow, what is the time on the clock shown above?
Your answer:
8h36m19s
